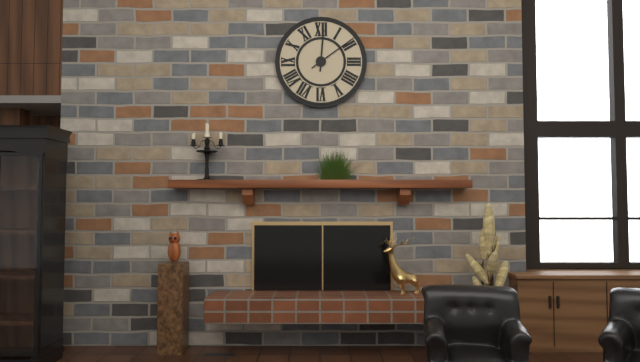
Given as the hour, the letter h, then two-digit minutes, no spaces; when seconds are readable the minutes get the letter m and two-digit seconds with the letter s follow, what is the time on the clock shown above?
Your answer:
12h09
